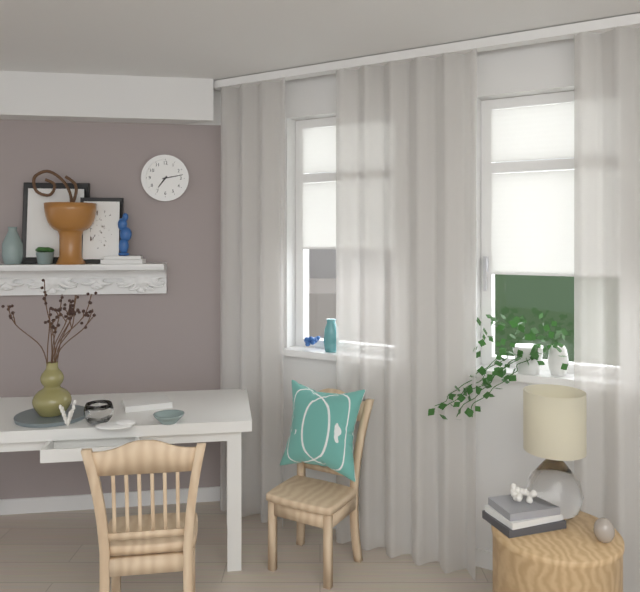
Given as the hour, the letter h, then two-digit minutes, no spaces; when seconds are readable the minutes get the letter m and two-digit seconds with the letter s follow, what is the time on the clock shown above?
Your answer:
7h13
